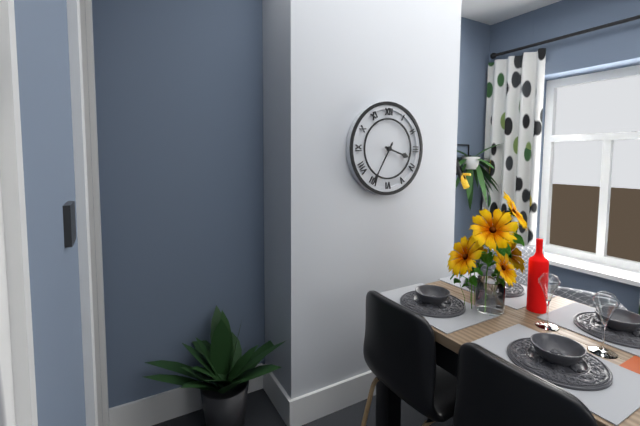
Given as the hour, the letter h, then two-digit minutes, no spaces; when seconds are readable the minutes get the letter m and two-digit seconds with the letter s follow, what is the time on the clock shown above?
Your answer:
3h35
